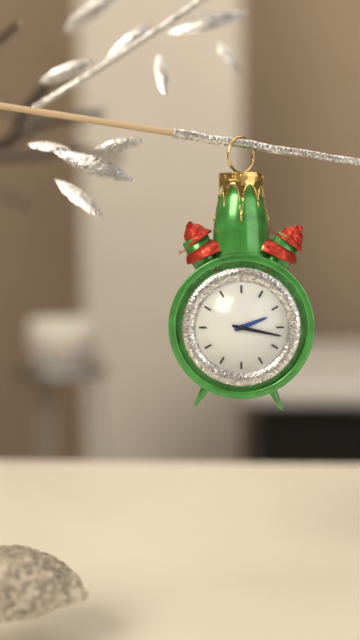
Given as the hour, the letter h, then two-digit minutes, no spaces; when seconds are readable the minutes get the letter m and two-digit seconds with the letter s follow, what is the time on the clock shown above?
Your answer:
2h17
